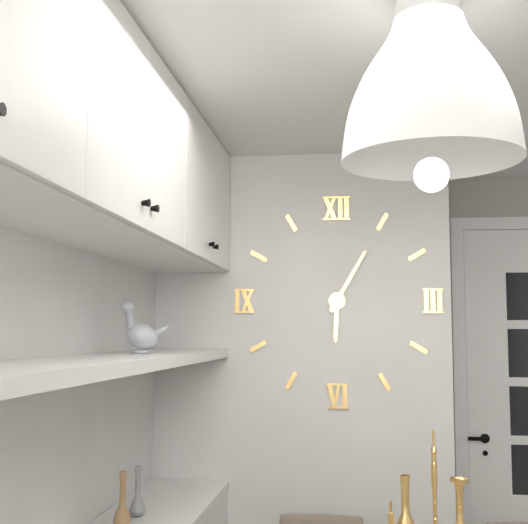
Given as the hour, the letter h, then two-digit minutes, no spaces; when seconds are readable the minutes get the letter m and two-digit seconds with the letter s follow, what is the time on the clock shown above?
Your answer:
6h05
